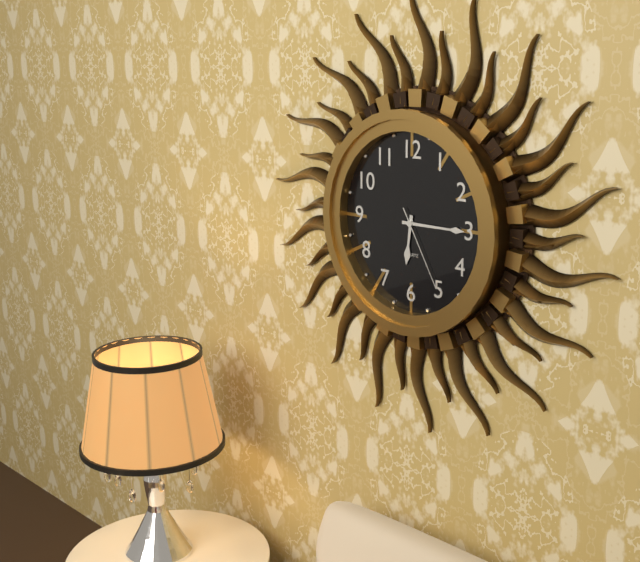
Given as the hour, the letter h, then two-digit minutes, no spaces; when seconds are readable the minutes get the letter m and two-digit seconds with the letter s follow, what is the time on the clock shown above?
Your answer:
6h15m25s
